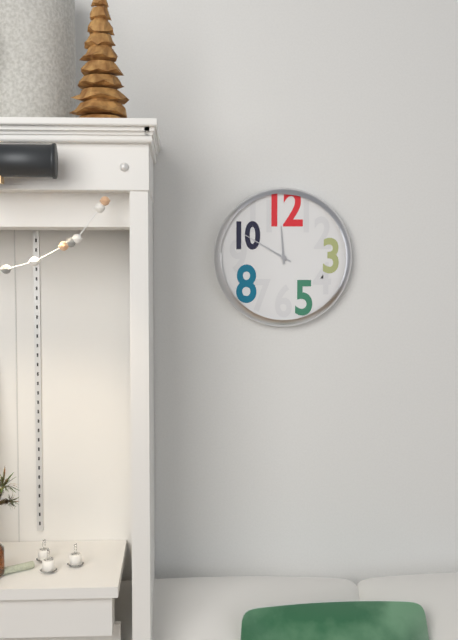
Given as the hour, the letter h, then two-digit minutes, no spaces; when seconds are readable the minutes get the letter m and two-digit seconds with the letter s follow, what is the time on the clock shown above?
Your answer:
11h50
